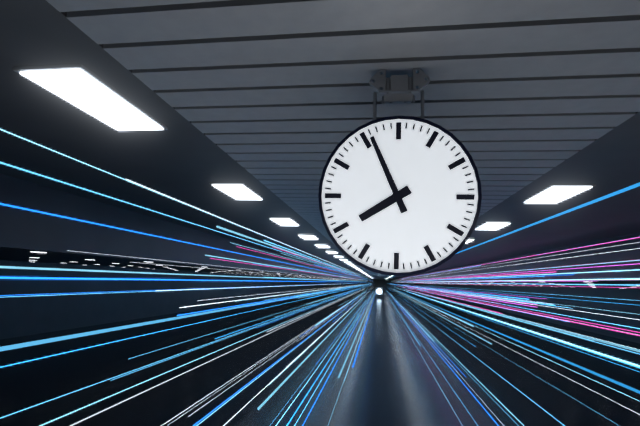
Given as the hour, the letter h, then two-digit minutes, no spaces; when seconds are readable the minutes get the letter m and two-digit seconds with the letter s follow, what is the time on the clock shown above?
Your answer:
7h56
